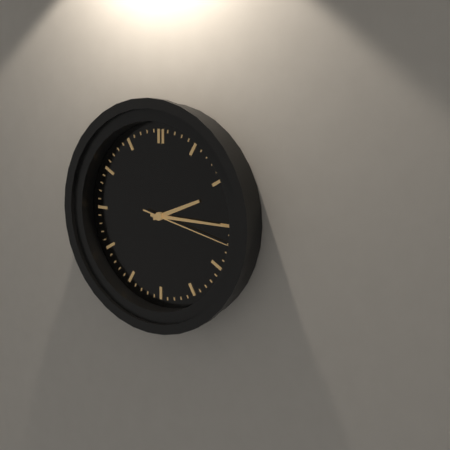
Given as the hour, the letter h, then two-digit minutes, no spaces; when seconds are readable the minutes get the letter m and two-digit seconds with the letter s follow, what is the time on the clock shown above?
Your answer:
2h15m17s
